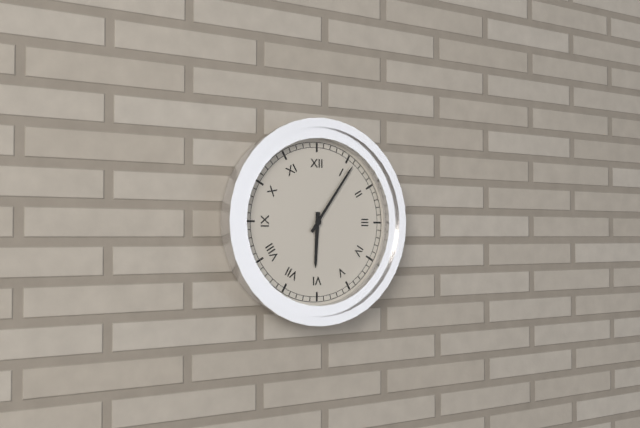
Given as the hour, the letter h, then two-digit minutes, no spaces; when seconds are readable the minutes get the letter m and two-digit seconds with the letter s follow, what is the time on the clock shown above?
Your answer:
6h06
